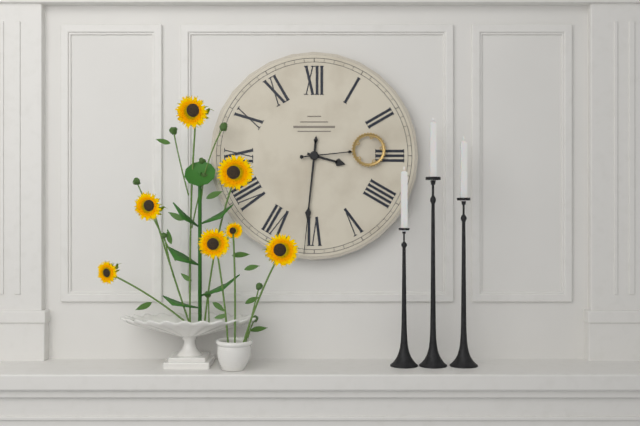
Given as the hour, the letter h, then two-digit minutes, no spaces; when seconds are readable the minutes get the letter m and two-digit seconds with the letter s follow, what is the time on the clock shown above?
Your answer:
3h31m14s
